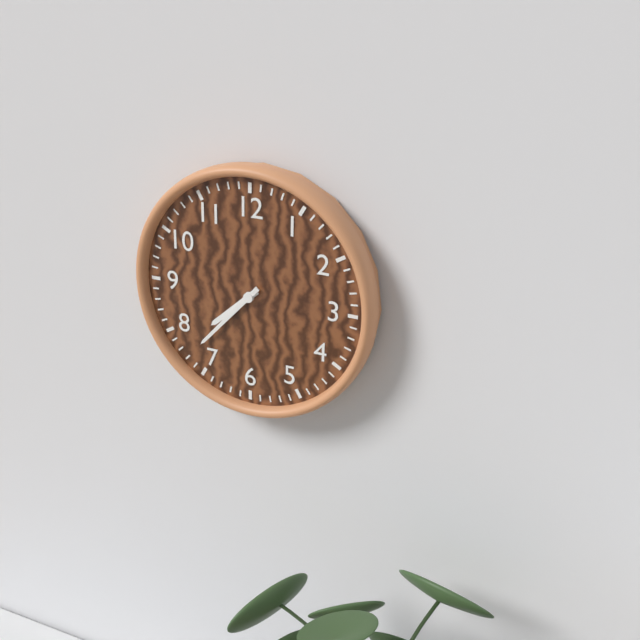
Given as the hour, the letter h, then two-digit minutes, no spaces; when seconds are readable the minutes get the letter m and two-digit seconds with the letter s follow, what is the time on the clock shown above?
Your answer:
7h37
